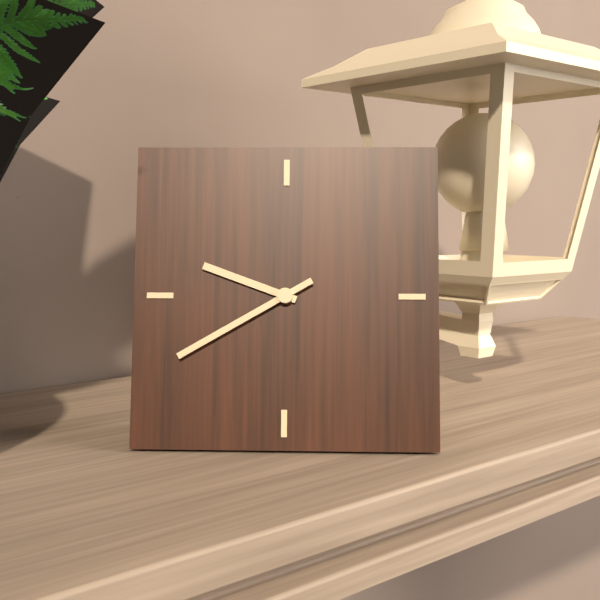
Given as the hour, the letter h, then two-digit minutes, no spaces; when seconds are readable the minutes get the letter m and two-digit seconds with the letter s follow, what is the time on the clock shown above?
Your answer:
9h40
